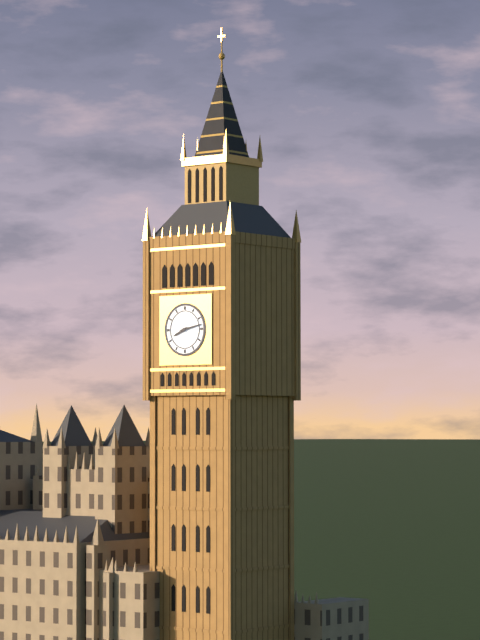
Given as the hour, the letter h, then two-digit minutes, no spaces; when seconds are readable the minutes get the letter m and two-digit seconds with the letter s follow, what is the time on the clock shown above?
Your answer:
8h13
